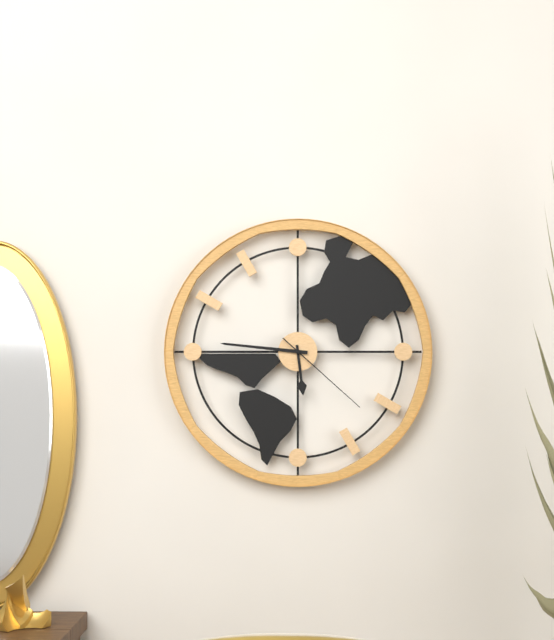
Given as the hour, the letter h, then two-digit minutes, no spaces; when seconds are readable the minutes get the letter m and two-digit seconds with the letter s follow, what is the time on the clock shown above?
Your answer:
5h46m22s
